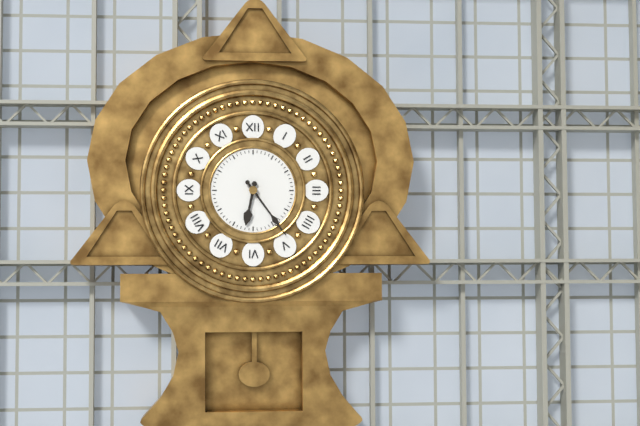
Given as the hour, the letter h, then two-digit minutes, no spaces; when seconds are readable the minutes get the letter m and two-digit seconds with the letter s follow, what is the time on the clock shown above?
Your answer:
6h24
